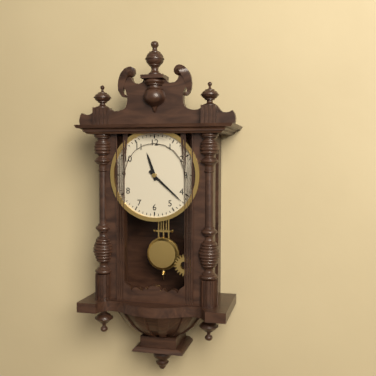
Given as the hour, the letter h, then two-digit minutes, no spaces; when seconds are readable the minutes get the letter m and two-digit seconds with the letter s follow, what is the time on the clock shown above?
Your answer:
11h22
